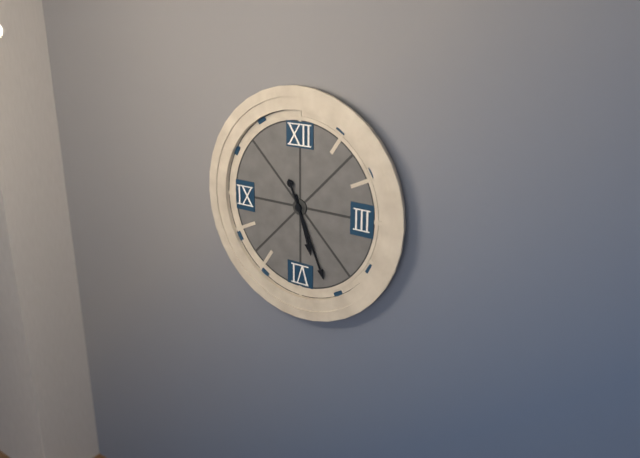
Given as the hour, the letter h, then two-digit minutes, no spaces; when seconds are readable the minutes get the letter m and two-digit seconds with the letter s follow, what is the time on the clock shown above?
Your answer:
5h26
